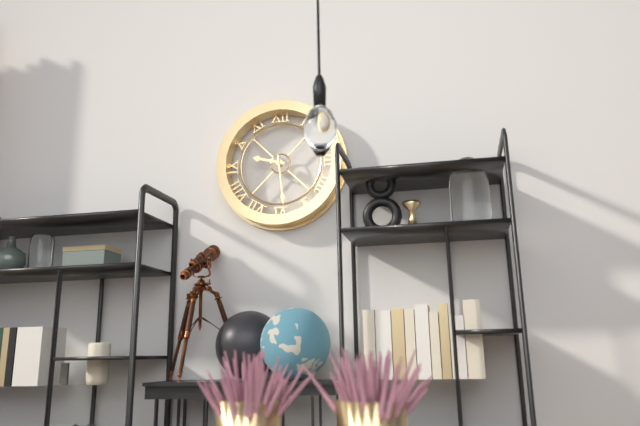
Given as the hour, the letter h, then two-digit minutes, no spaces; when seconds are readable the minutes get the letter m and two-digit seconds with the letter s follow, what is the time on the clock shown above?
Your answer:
9h29
